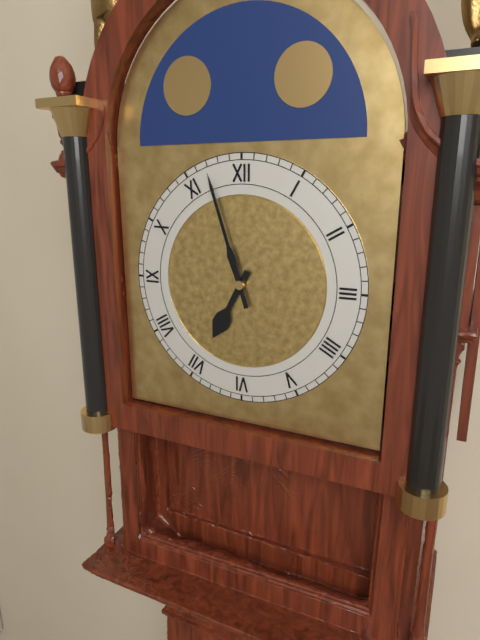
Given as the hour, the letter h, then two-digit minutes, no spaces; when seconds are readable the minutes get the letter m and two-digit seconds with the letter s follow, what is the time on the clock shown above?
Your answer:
6h57
